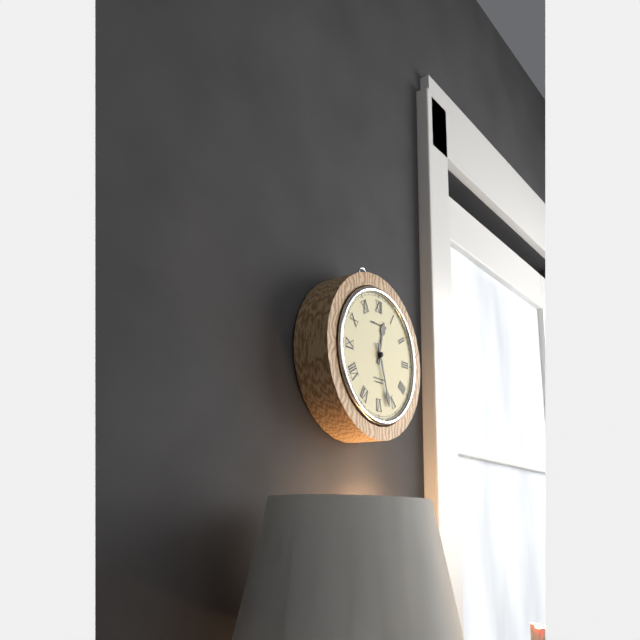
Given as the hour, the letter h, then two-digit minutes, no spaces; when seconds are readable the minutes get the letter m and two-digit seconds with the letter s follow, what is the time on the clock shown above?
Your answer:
12h27
